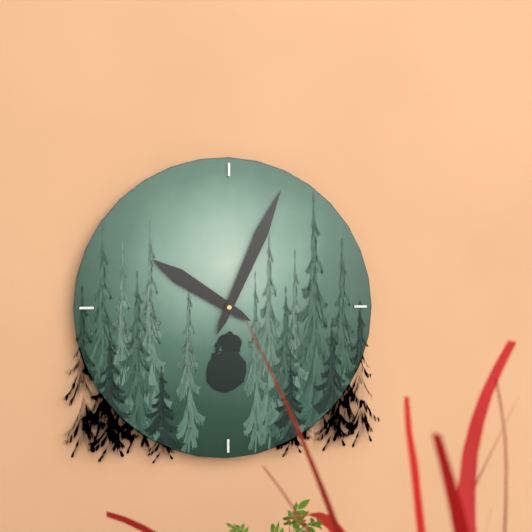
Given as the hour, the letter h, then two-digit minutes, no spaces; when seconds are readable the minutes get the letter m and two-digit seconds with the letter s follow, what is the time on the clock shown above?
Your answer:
10h04
